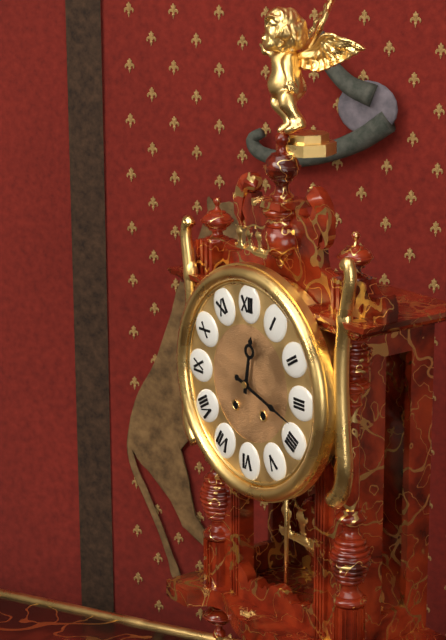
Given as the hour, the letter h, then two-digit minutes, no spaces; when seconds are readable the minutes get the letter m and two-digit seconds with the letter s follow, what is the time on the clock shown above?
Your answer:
12h18
